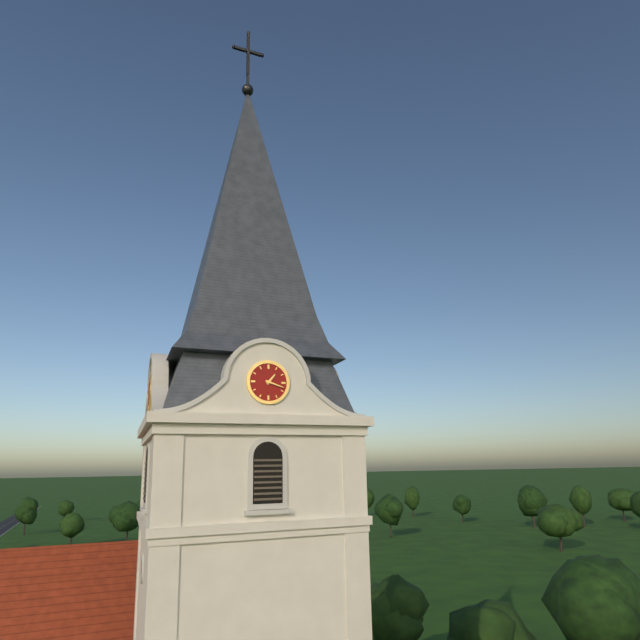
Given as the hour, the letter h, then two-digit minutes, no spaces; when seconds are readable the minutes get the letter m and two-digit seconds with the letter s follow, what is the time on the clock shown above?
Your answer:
1h18
